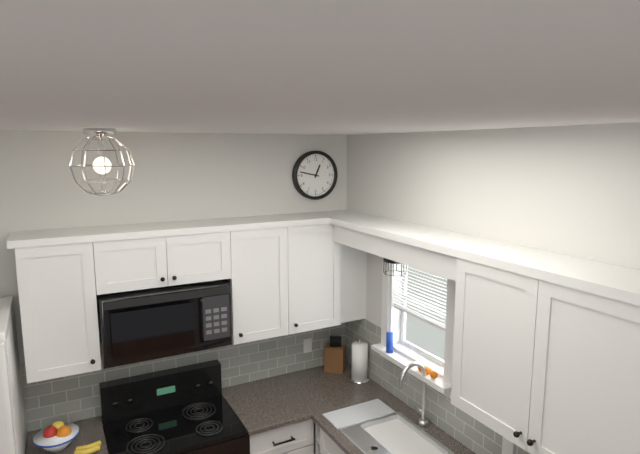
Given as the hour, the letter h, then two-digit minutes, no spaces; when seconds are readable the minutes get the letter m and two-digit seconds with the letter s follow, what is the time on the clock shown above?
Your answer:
12h47
